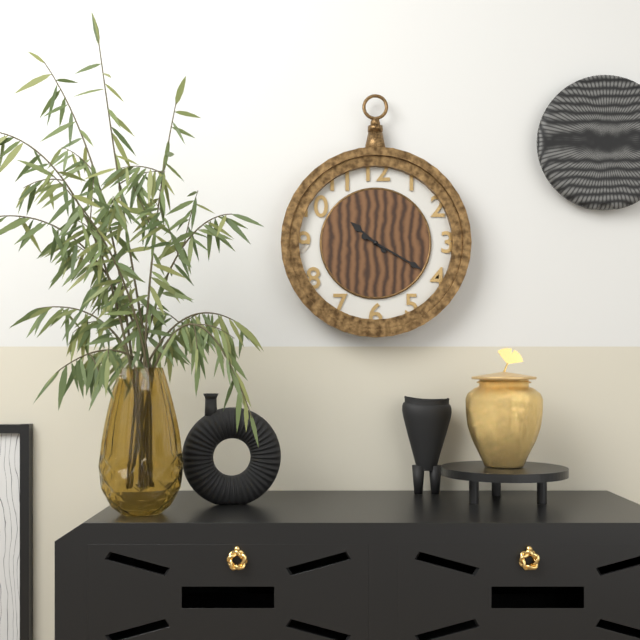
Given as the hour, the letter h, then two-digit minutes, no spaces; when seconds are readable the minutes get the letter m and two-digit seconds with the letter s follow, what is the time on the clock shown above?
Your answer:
10h20
